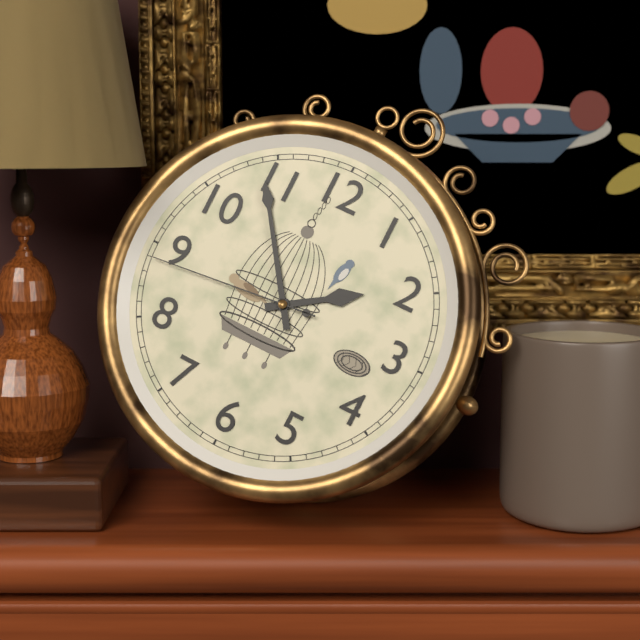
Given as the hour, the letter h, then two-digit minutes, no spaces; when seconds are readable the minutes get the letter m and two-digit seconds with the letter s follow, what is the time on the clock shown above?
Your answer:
1h54m44s
